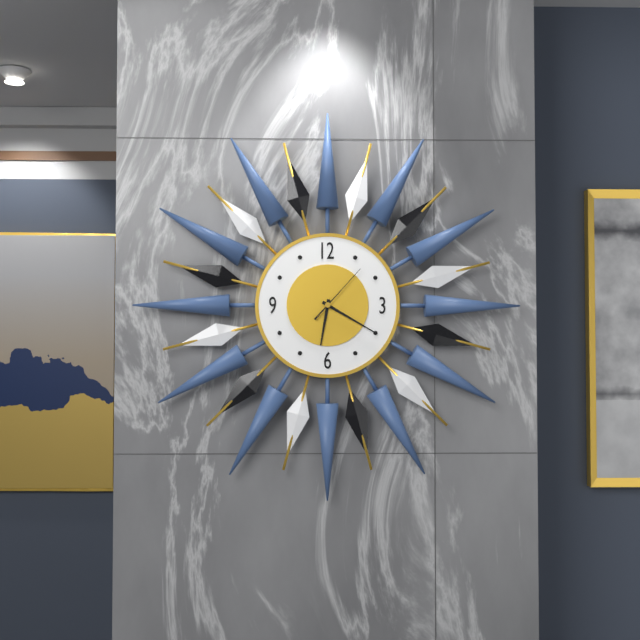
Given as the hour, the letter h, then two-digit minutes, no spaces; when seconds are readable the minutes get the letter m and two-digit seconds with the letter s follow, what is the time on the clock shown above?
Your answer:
6h20m07s
